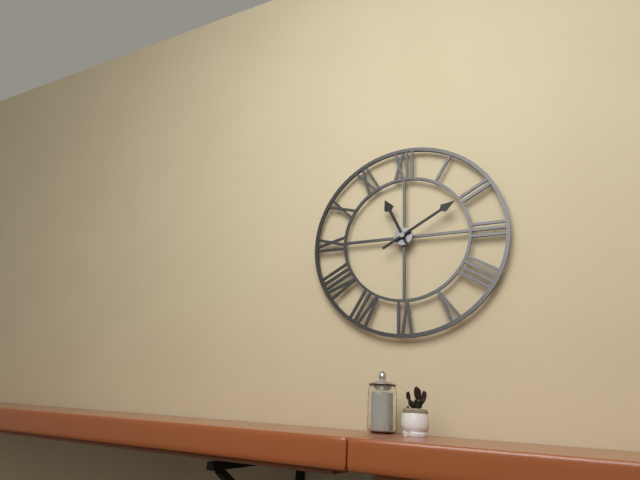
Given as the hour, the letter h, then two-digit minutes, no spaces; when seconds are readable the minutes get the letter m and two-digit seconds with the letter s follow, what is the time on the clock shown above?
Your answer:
11h10
